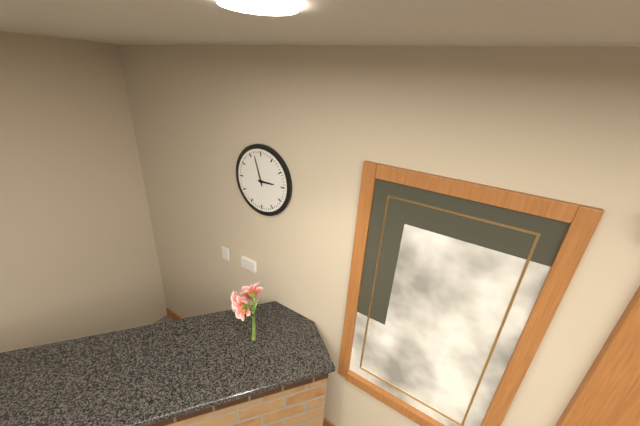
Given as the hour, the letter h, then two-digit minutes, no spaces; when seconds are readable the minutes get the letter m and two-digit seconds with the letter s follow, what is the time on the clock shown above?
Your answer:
2h57
